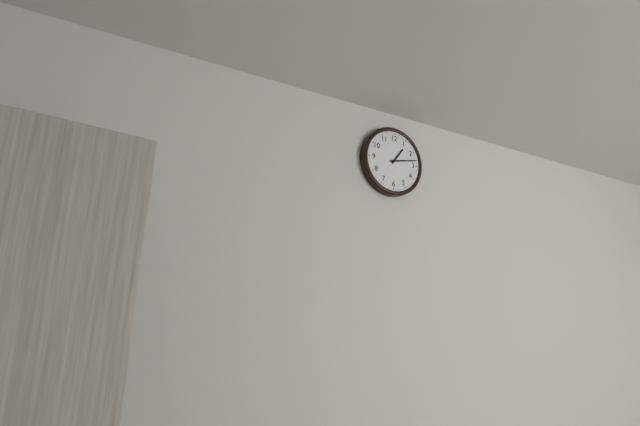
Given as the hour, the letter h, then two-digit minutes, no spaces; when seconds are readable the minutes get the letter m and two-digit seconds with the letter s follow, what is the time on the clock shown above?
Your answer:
1h13
